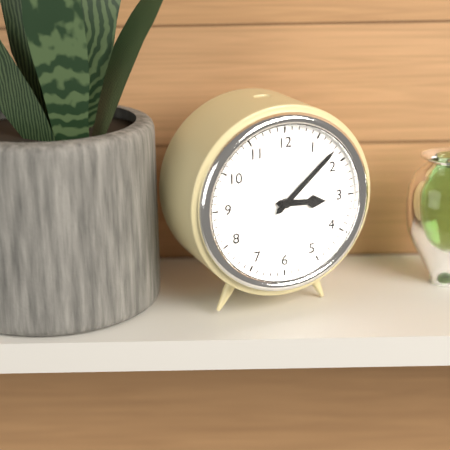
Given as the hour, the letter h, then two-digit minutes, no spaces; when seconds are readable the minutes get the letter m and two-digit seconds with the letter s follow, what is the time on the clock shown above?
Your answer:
3h08
